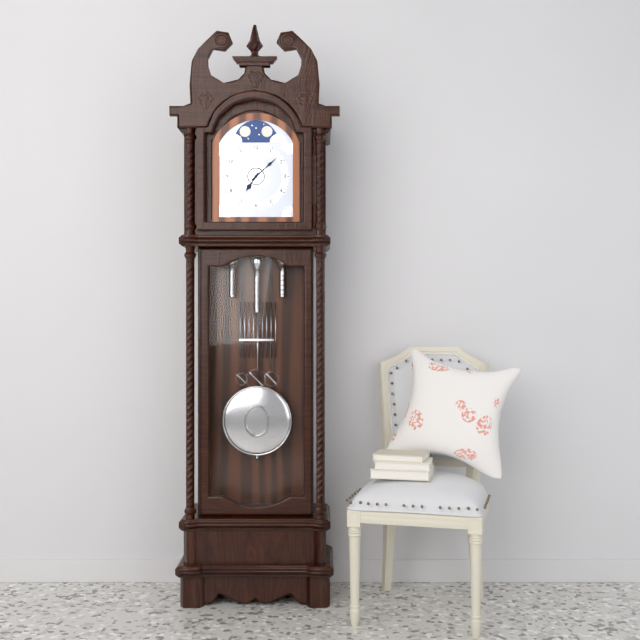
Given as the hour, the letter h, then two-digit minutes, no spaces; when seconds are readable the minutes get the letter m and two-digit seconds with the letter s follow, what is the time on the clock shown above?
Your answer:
7h08
